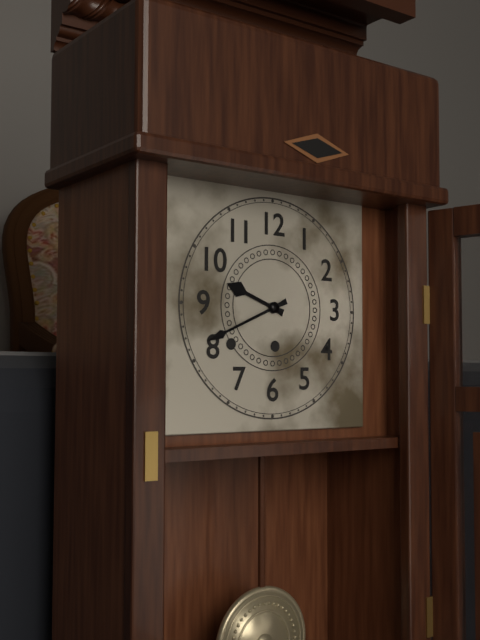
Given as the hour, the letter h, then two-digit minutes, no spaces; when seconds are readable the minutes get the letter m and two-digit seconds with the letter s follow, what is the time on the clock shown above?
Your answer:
9h41
